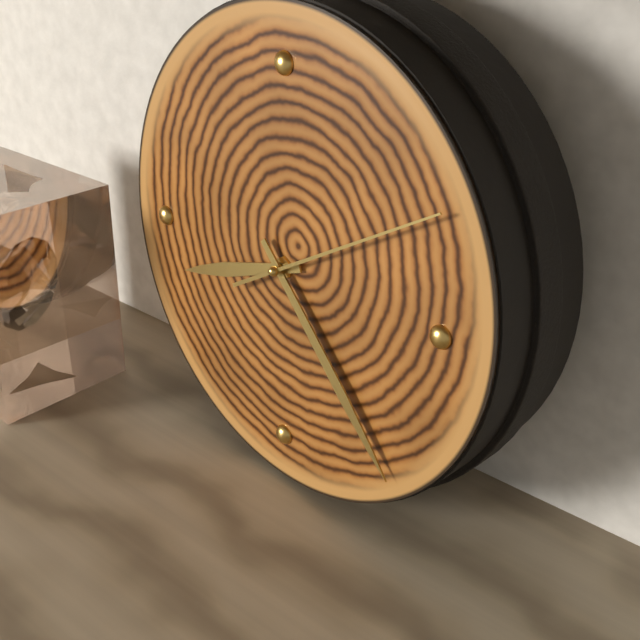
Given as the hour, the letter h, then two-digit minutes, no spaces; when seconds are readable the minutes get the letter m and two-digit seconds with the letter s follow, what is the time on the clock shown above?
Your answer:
8h23m10s
